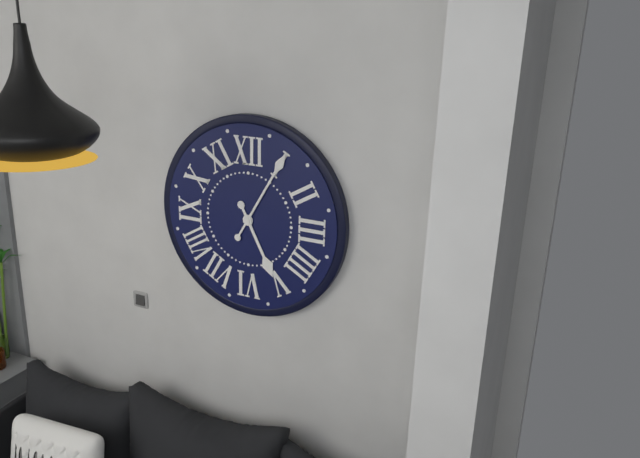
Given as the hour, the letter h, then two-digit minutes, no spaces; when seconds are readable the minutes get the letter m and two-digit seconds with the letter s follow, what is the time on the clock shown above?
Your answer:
5h05
